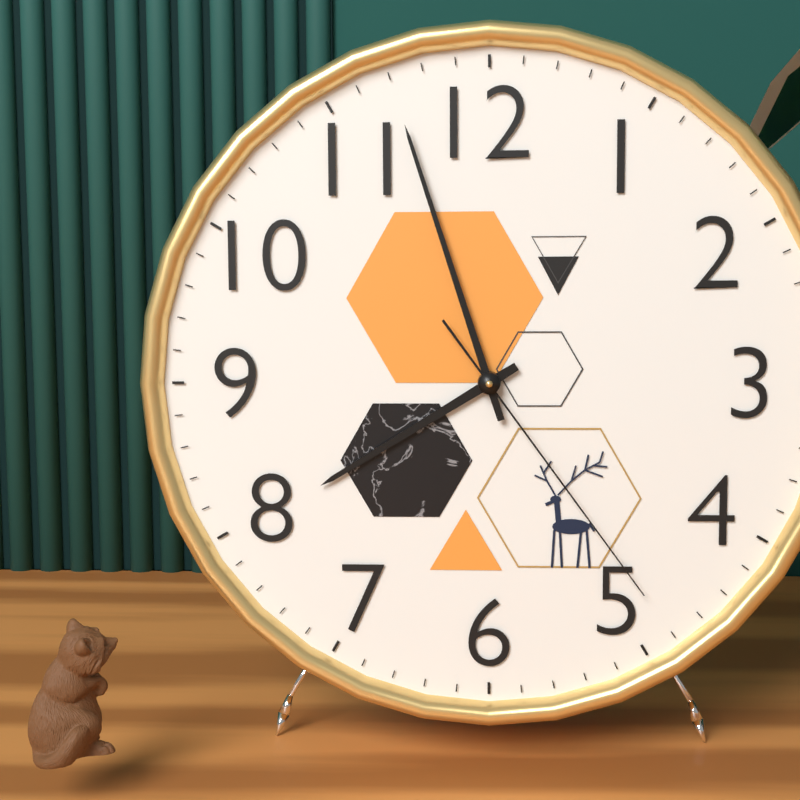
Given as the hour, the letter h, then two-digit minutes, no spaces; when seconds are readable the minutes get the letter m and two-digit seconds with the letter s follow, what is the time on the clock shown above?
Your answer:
7h57m24s
